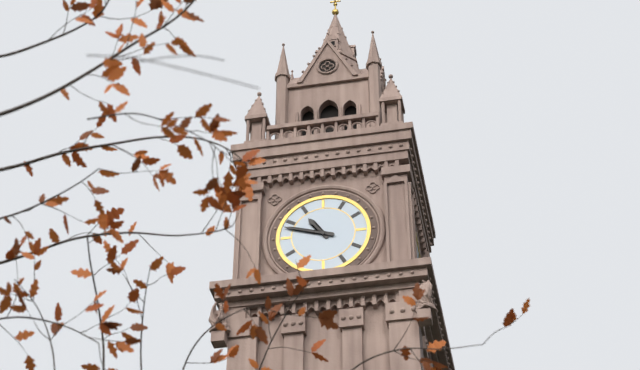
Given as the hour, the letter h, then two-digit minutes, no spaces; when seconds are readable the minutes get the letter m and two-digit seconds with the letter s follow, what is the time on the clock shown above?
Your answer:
10h48
